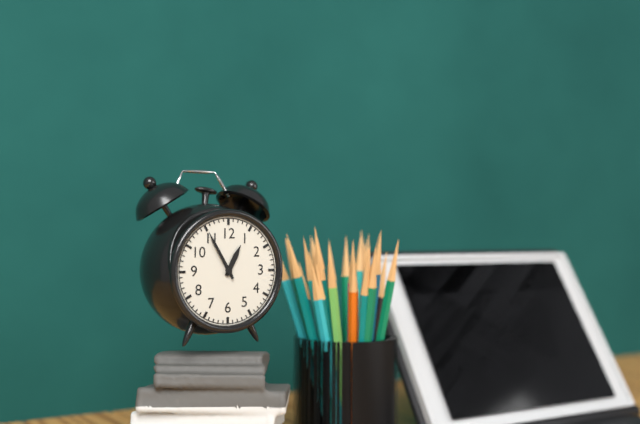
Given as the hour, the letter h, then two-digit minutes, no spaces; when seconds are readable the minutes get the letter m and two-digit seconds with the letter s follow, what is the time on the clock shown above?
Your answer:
12h55
